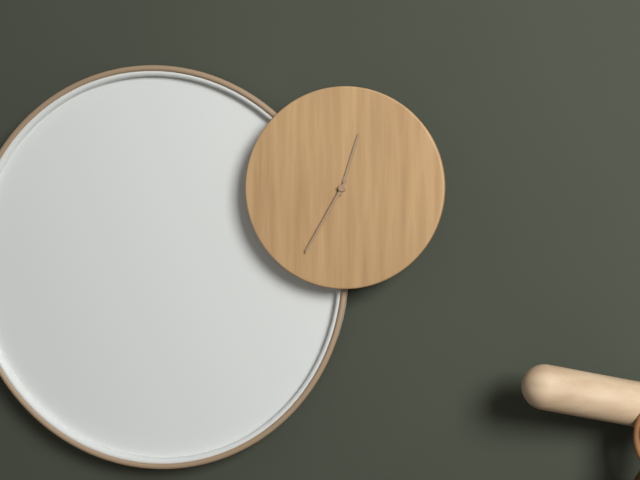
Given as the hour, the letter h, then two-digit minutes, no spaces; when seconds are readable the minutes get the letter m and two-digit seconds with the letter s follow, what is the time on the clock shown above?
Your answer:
12h35
